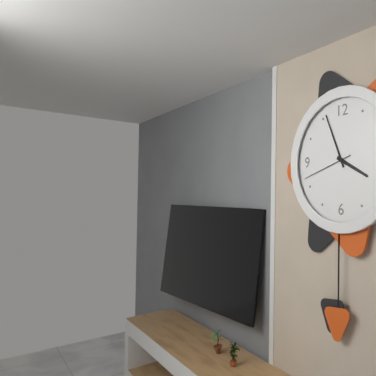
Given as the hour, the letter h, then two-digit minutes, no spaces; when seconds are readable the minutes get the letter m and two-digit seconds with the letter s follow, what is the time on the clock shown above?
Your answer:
3h56m42s
